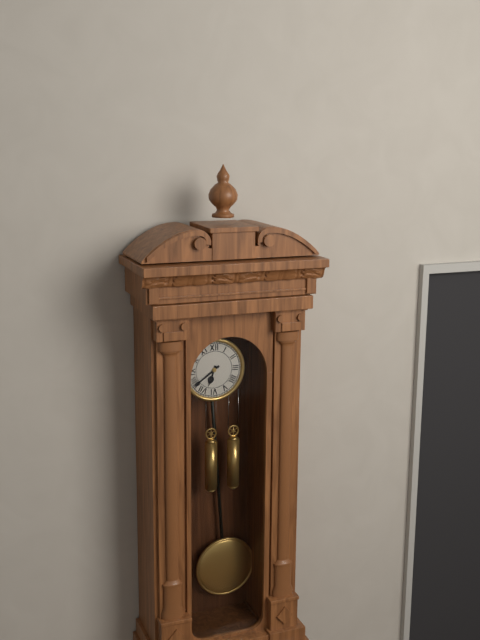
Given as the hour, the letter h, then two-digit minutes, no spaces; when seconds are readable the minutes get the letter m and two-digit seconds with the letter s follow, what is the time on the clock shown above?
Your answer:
6h39
